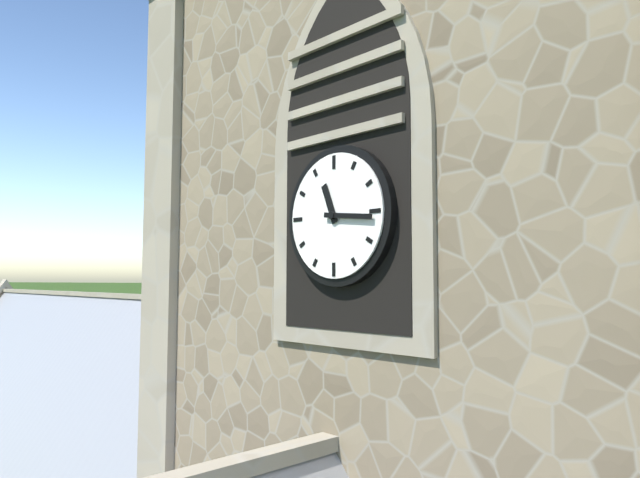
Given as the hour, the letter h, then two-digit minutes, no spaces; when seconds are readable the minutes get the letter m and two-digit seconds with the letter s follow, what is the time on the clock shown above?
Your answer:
11h16
